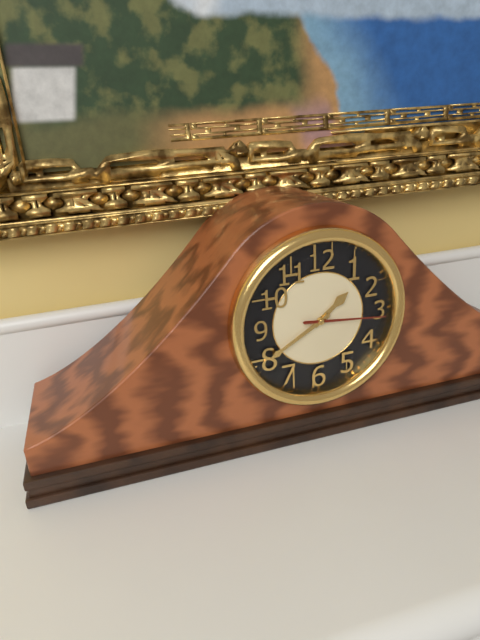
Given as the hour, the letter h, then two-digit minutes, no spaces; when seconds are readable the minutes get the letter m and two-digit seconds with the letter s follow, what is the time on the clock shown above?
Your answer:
1h40m16s
